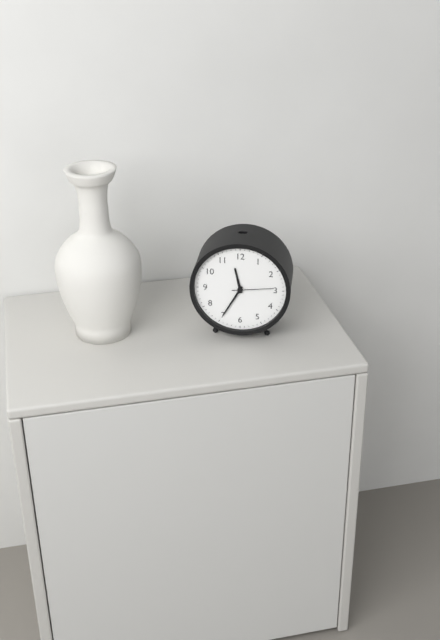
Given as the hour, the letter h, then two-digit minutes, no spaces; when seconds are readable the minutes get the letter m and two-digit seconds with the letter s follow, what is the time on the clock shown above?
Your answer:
11h35
